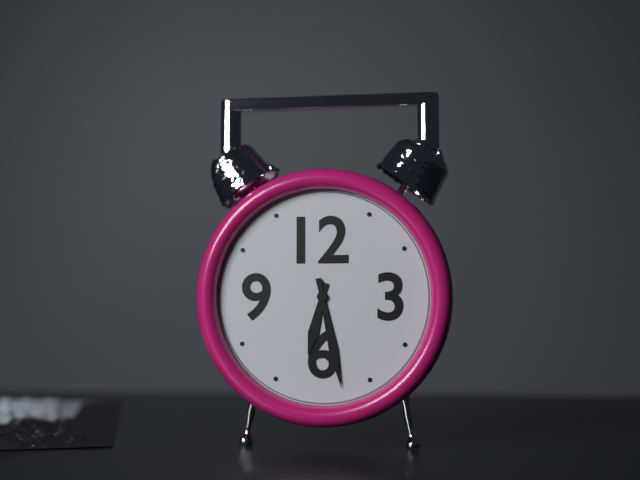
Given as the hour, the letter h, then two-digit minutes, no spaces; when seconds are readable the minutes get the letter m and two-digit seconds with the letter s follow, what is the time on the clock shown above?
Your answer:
6h28
